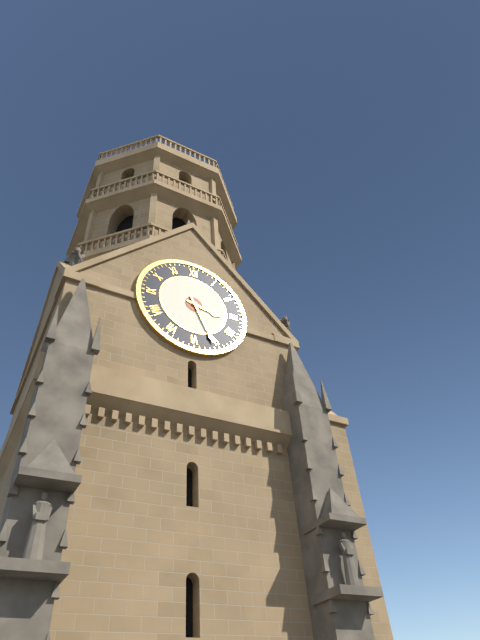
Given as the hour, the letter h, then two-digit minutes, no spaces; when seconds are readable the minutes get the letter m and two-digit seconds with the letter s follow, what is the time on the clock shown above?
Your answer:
3h26
